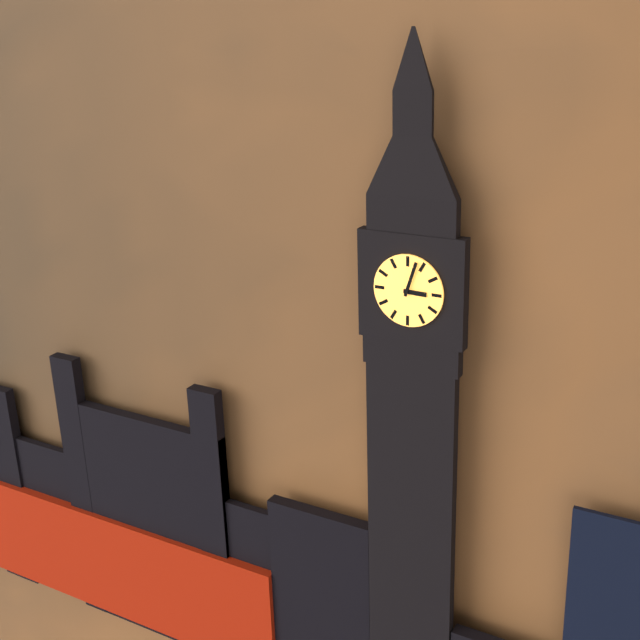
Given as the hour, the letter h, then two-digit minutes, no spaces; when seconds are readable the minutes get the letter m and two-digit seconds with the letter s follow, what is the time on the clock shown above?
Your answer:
3h03
